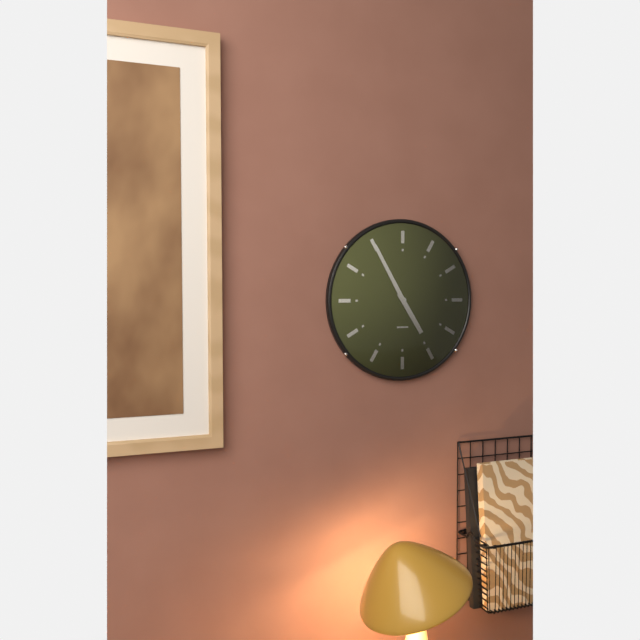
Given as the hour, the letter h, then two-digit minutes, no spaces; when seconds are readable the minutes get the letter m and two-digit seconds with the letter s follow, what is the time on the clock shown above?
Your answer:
4h55
